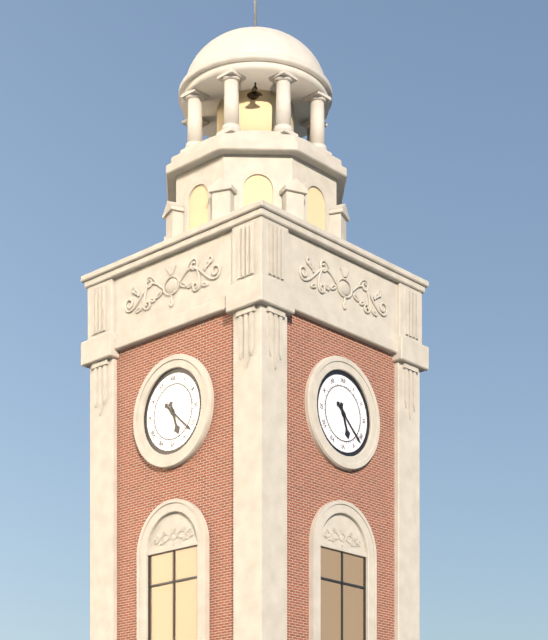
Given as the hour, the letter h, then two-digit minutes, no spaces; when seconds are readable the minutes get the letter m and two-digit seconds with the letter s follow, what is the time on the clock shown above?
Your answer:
5h22
